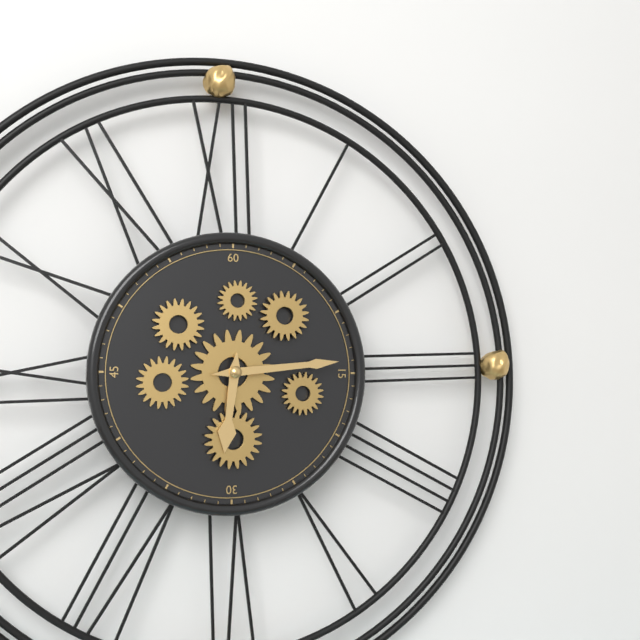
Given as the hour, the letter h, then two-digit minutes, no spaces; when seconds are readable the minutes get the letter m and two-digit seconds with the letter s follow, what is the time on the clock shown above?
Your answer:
6h14
